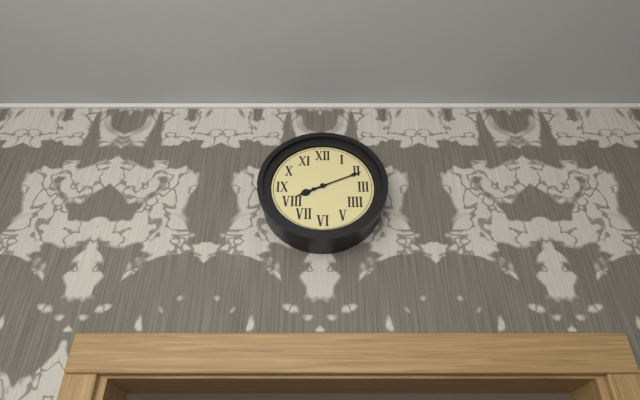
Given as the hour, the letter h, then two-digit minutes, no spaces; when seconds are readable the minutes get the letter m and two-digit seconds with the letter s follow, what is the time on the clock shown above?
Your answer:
8h11
